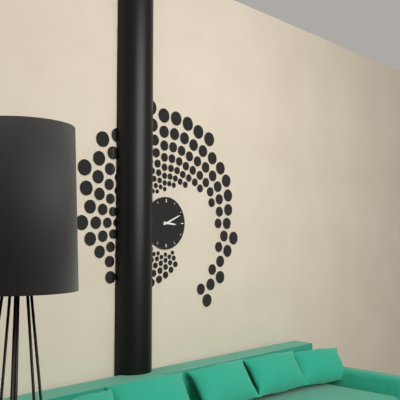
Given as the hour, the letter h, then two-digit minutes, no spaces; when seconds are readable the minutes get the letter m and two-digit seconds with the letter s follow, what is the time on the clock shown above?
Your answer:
3h11
